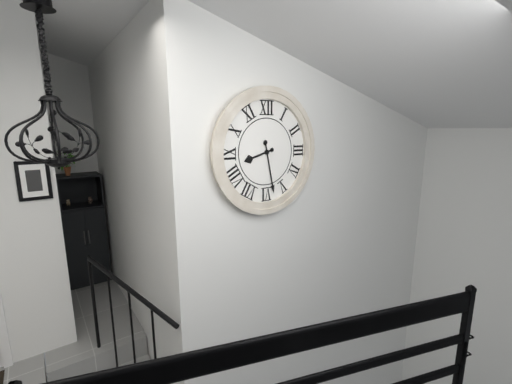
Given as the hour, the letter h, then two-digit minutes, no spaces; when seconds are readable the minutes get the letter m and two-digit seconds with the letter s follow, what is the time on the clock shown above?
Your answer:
8h28
